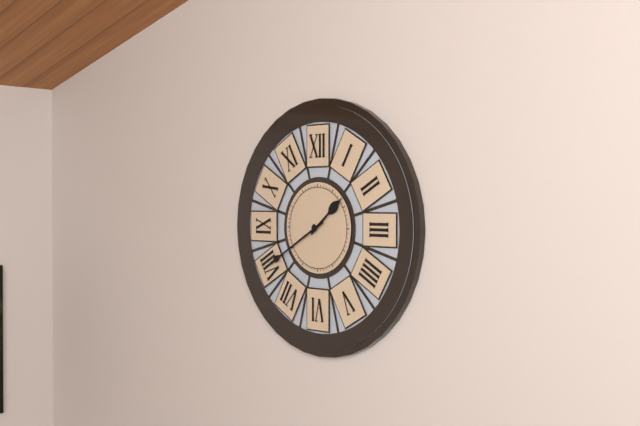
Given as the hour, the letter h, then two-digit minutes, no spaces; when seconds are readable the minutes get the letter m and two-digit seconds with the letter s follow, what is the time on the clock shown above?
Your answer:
1h40
